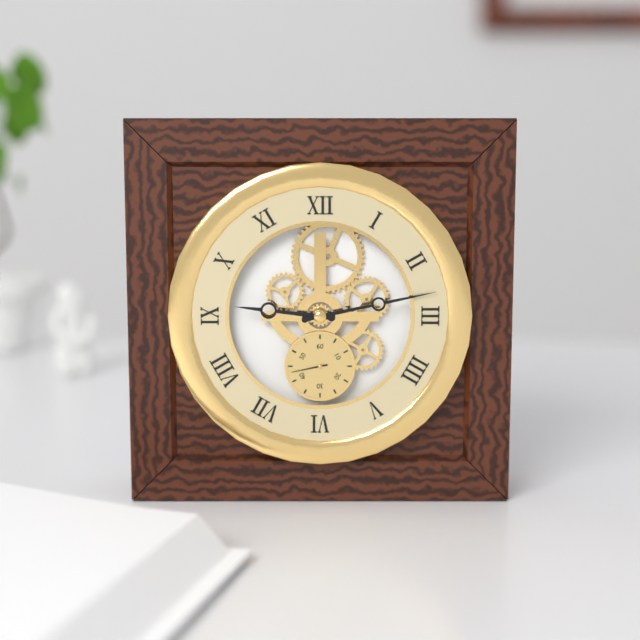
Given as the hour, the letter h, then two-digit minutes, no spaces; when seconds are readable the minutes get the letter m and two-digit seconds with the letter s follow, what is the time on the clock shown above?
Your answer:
9h13
